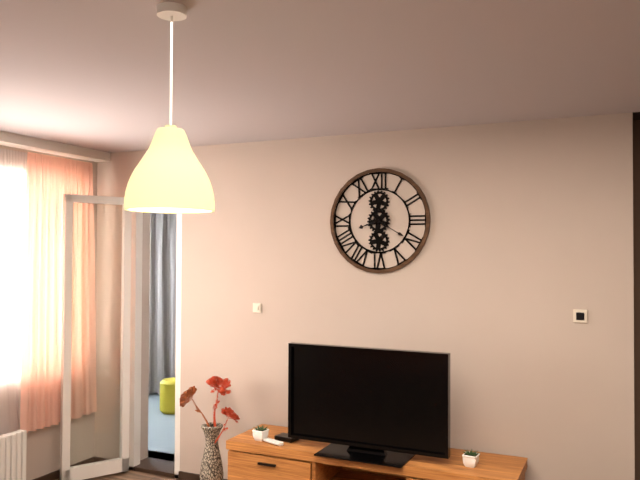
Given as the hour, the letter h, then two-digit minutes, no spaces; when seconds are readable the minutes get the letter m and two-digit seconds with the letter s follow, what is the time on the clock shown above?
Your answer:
8h20
